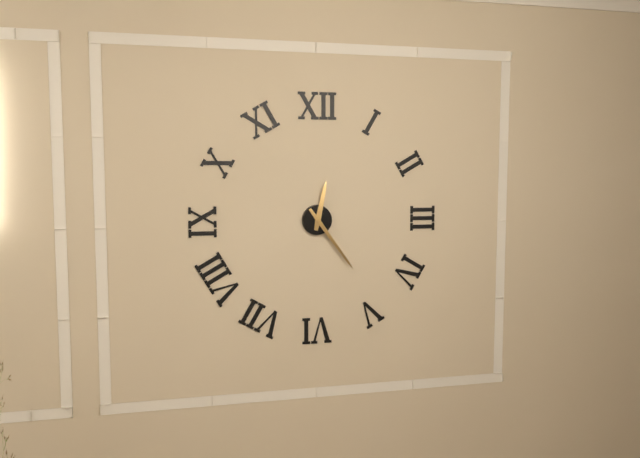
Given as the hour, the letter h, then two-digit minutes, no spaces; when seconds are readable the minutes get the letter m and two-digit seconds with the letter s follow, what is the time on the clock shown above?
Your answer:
12h24
